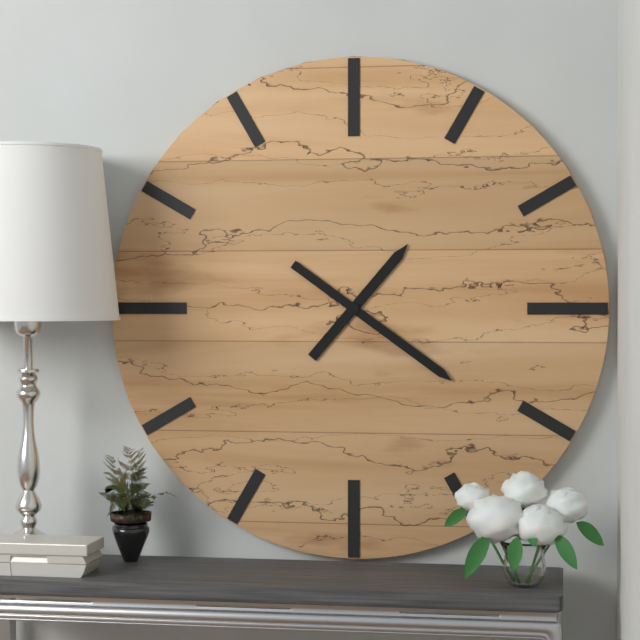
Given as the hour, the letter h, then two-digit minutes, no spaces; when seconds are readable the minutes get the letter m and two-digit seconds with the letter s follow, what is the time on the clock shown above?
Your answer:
1h21
